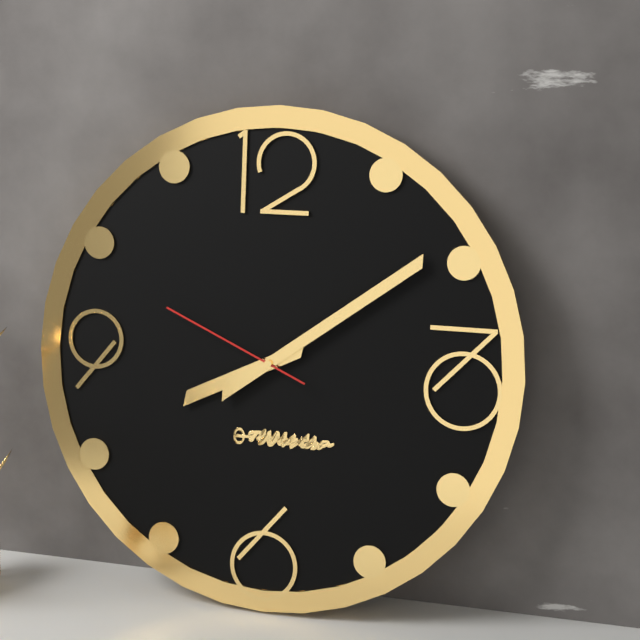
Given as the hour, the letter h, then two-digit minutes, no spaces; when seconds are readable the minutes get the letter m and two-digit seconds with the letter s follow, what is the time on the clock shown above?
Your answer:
8h09m49s
